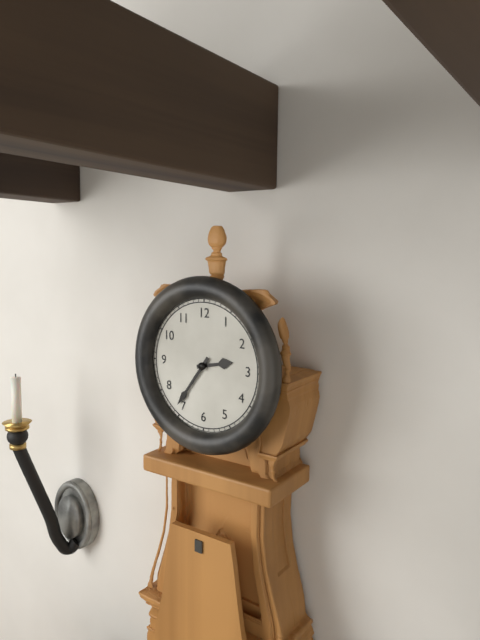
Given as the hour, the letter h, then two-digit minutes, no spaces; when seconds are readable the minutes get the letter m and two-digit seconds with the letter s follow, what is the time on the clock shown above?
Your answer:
2h36
